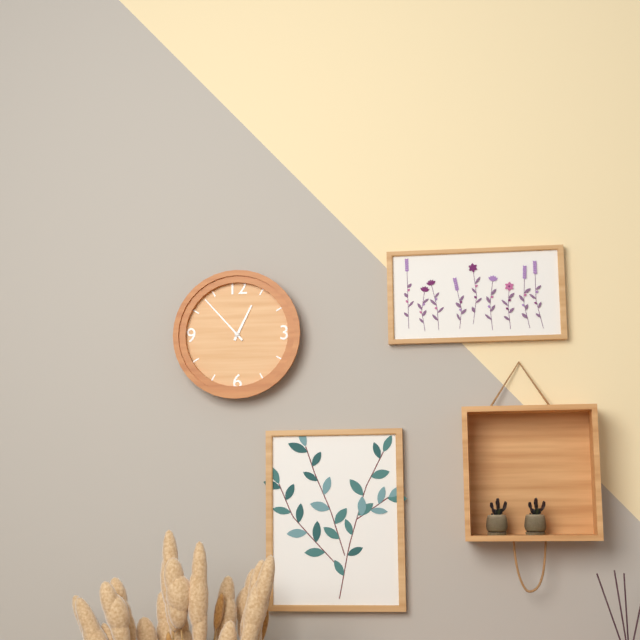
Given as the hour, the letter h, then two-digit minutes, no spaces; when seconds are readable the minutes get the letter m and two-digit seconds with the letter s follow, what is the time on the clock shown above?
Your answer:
12h53
